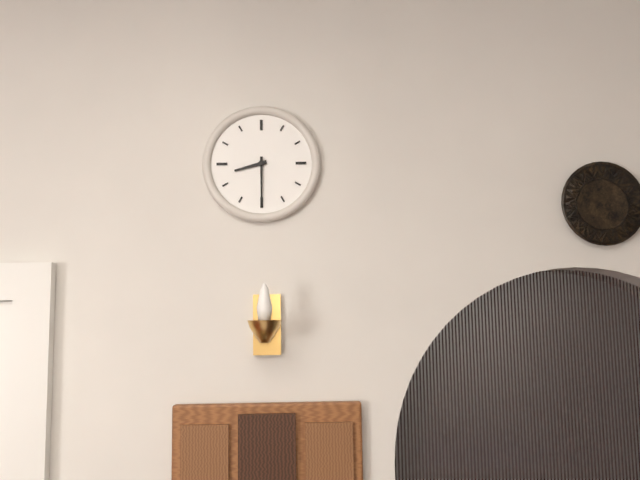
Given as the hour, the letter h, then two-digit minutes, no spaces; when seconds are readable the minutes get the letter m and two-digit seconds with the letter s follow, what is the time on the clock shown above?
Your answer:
8h30
